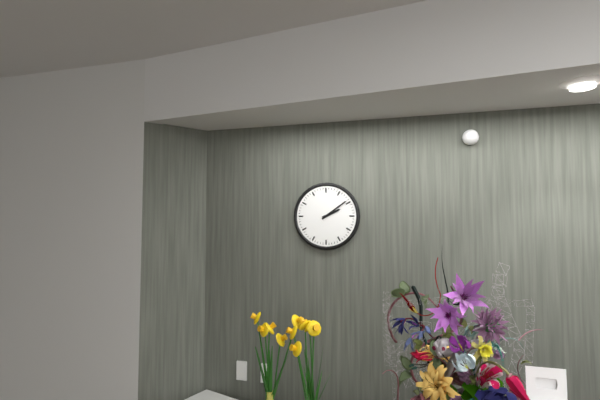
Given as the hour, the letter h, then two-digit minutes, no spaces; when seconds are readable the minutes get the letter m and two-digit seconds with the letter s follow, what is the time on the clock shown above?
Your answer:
2h09
